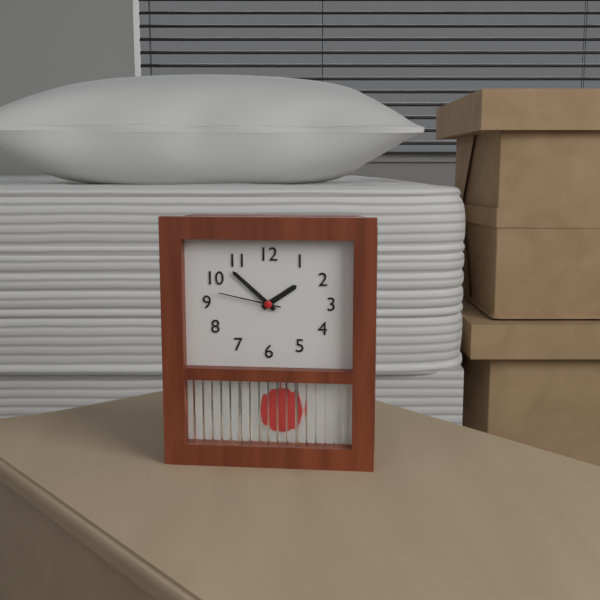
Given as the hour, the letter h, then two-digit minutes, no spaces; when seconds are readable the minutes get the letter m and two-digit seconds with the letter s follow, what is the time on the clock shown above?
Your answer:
1h52m47s
